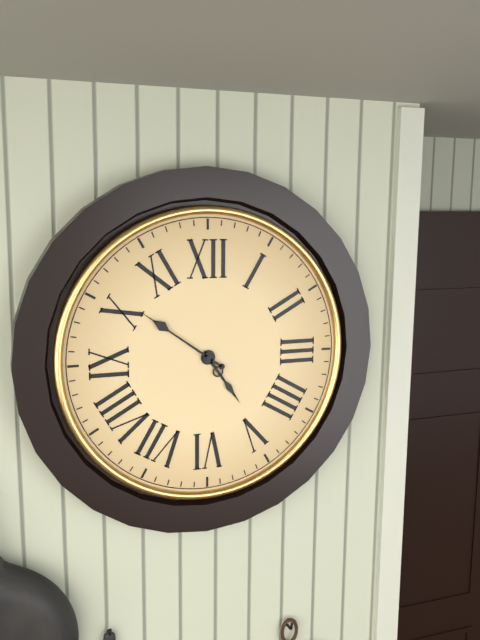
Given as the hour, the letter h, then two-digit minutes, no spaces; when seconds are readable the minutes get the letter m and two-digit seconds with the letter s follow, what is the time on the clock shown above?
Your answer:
4h51
